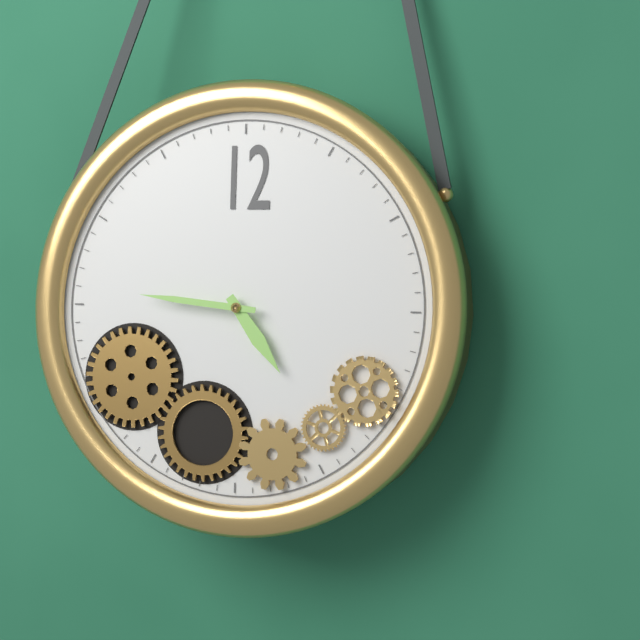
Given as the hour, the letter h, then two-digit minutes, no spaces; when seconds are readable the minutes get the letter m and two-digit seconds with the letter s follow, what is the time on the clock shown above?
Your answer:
4h46
